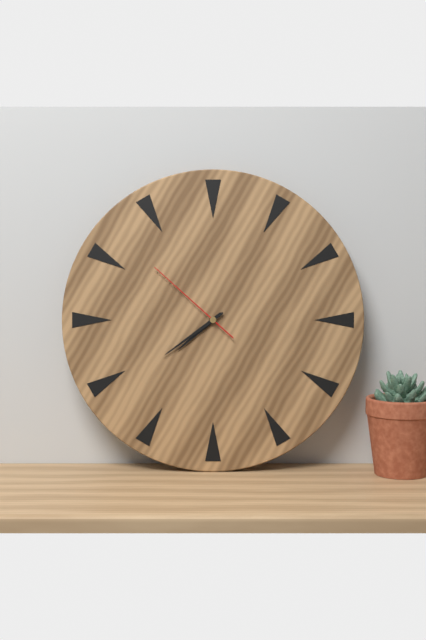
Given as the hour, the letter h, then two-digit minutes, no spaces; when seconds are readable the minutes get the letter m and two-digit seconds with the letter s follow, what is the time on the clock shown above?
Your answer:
7h39m52s
